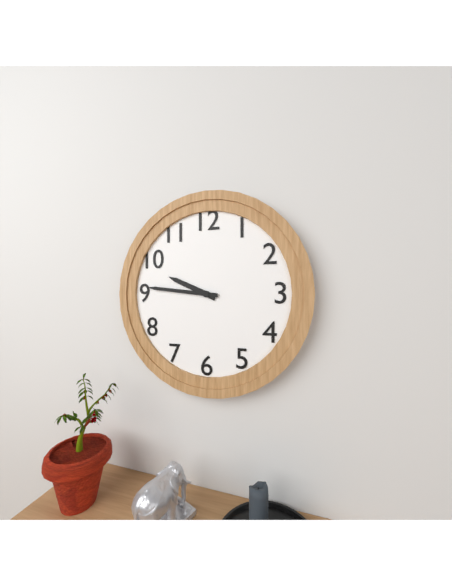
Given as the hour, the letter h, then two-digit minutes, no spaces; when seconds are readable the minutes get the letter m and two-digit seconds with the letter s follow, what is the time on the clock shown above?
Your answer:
9h46
